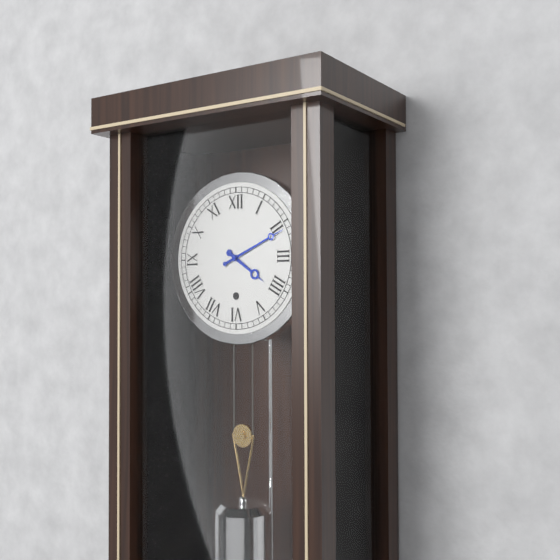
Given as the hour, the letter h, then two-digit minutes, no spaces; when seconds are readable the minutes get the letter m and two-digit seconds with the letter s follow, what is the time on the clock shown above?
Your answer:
4h11
